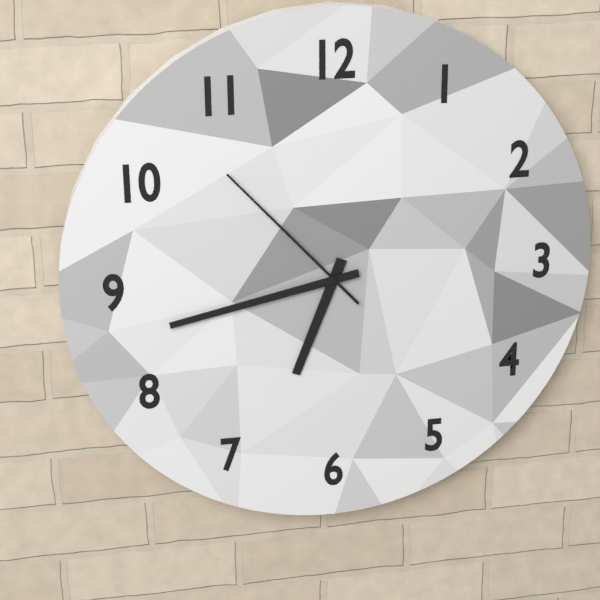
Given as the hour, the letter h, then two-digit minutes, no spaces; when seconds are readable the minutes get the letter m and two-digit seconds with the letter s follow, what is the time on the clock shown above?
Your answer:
6h43m53s
